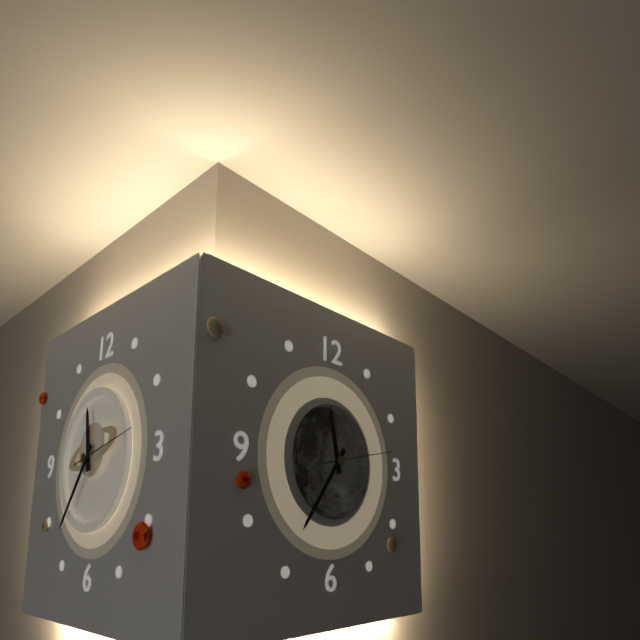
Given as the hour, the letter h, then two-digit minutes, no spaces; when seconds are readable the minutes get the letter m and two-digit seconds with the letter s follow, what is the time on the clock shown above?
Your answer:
11h36m13s
